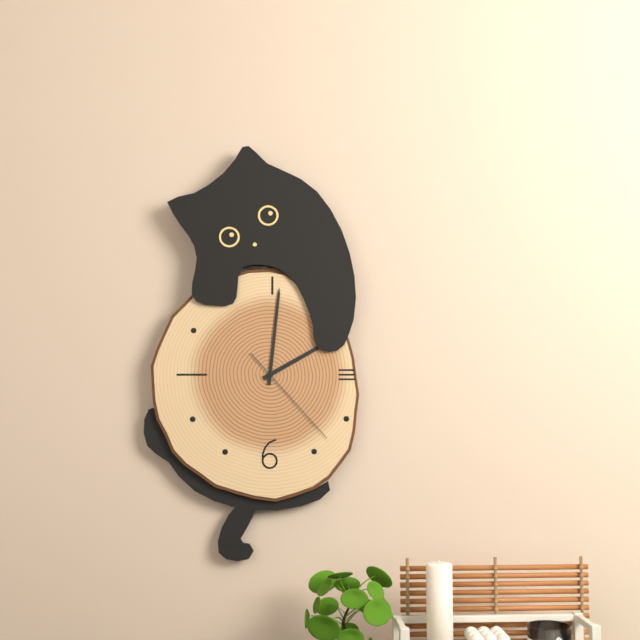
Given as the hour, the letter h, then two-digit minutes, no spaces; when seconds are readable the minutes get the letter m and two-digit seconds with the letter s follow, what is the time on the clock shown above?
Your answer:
2h01m23s
